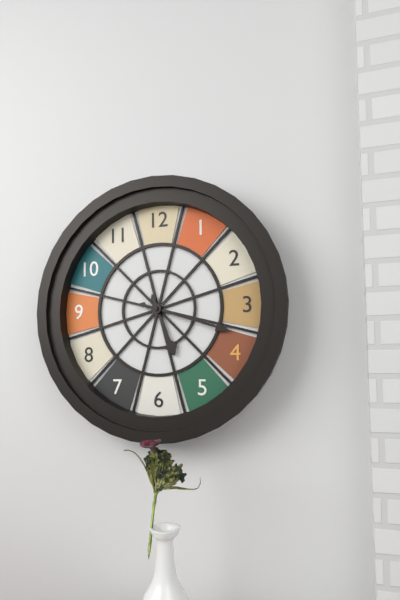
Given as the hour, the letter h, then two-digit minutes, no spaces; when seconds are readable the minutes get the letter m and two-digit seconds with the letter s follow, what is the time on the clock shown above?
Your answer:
5h18
